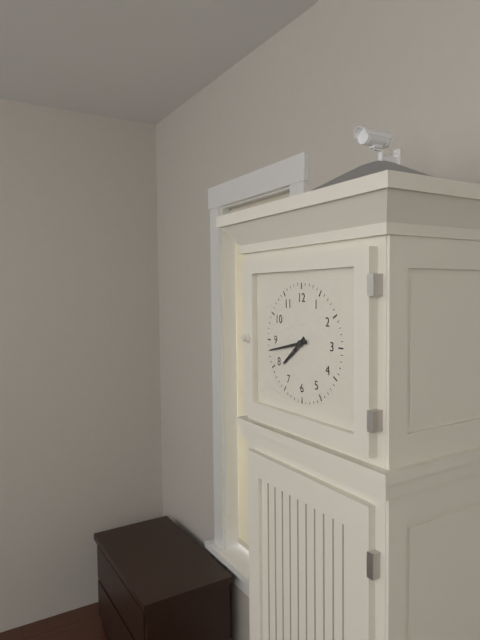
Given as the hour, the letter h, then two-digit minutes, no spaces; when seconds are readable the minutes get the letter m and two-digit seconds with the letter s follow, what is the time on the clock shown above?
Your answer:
7h43
